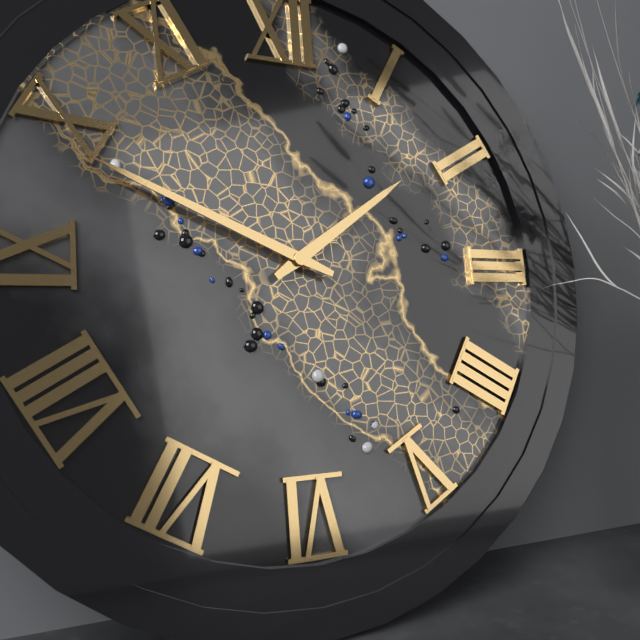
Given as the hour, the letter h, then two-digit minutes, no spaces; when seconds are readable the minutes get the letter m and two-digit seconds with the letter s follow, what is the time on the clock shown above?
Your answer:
1h49
